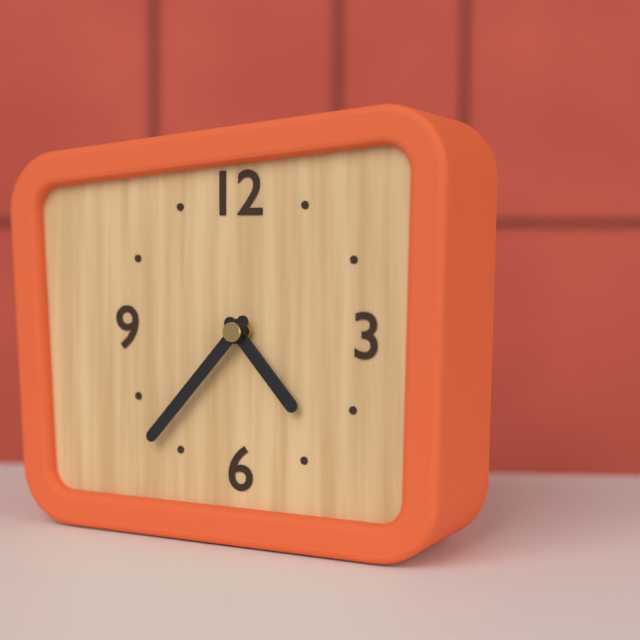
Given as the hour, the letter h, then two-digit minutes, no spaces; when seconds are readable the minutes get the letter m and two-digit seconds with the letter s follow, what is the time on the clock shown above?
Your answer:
4h37
